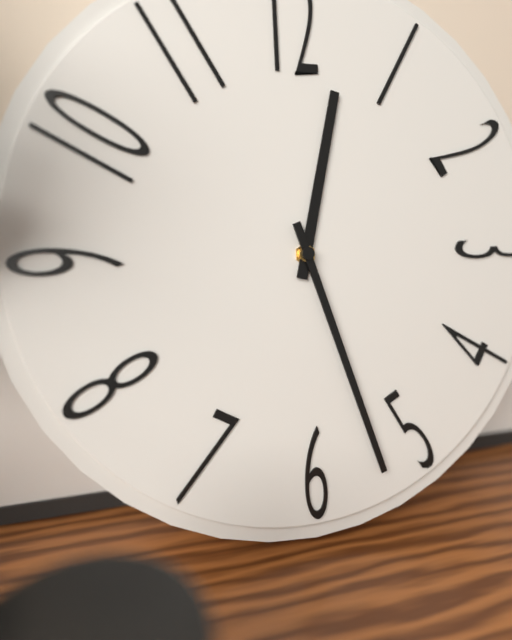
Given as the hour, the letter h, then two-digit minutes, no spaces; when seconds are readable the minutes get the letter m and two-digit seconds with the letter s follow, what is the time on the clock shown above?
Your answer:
12h27
